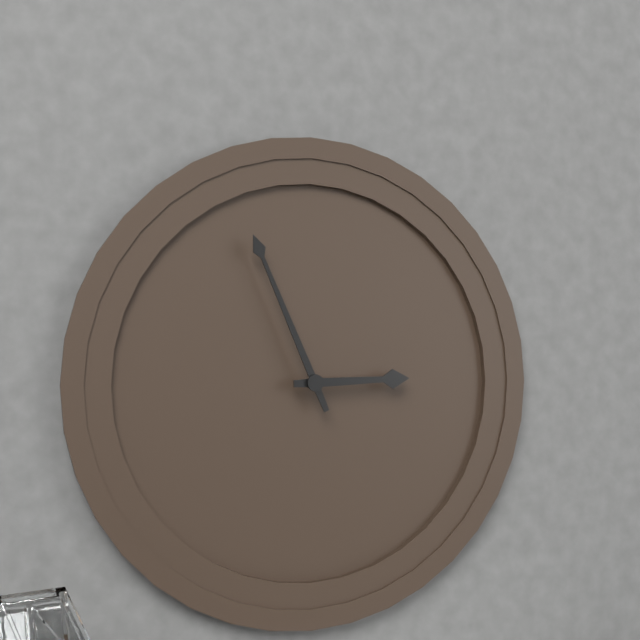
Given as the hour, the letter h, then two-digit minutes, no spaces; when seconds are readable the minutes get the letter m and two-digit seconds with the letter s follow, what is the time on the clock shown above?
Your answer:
2h56
